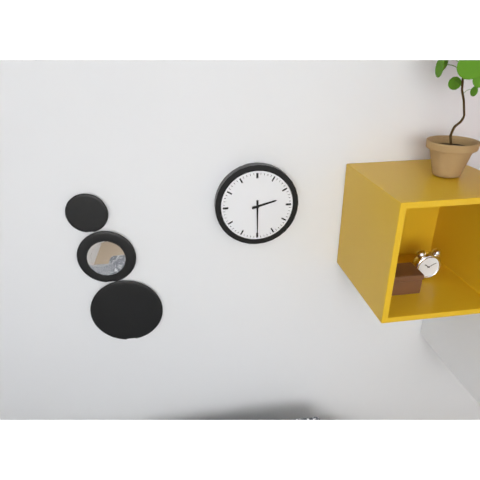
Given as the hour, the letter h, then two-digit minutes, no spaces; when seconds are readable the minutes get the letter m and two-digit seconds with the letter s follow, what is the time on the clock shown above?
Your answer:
2h30
